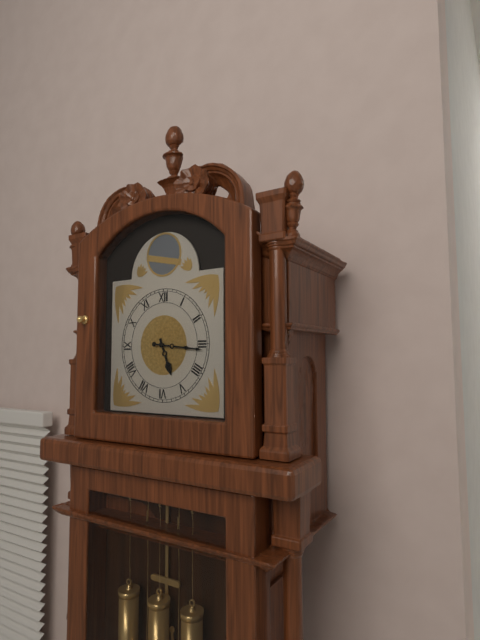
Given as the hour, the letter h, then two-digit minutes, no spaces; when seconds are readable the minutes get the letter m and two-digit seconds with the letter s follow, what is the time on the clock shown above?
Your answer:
5h16
